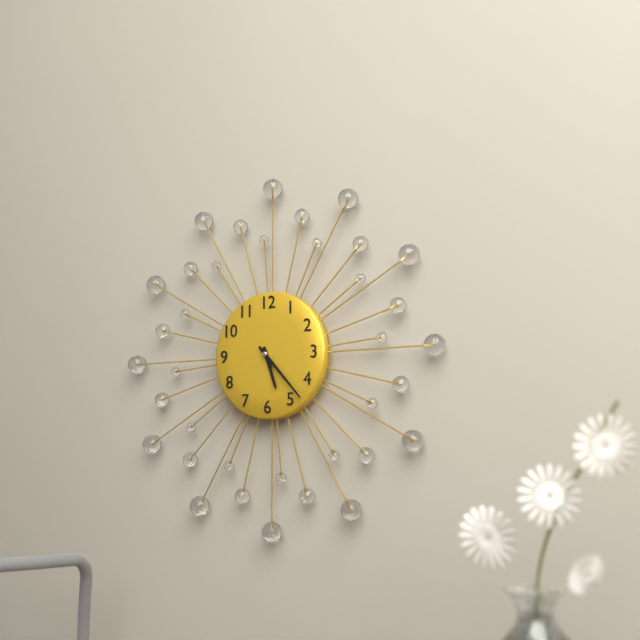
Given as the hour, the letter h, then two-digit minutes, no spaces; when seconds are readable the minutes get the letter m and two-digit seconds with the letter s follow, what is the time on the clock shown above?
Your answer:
5h23
